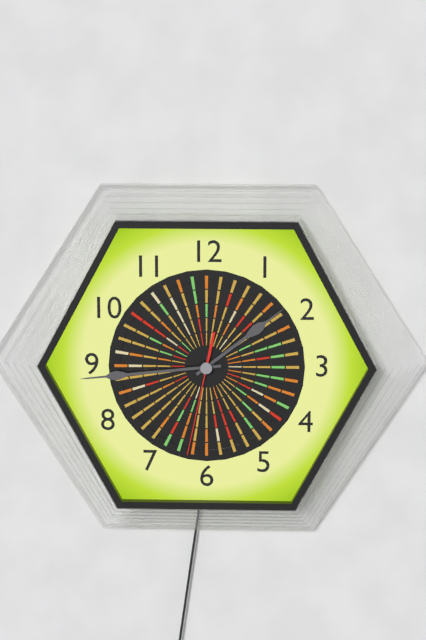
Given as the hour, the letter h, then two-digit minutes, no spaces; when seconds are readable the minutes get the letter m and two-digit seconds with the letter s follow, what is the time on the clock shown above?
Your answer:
1h44m32s
